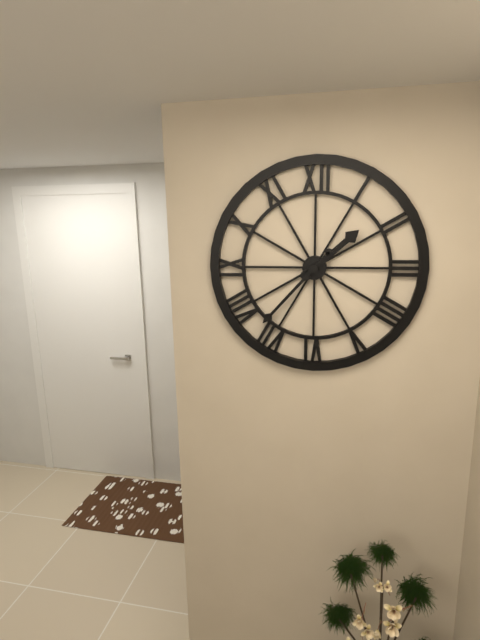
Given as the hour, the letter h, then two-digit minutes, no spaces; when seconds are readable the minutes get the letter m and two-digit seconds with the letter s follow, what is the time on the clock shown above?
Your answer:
1h37
